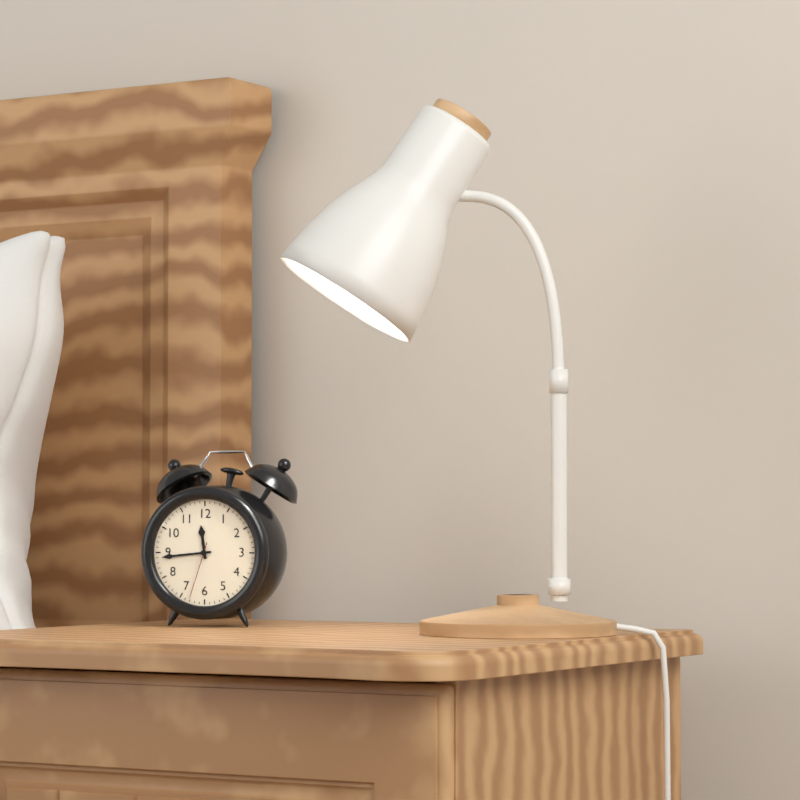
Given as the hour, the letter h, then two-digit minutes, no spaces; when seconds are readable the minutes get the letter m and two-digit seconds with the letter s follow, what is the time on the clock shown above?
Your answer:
11h44m33s
